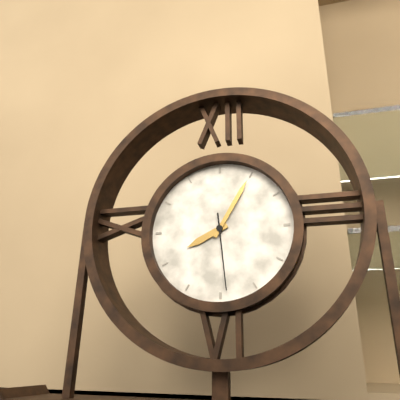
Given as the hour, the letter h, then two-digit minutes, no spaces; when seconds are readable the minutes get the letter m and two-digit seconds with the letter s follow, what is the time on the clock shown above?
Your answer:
8h05m29s
